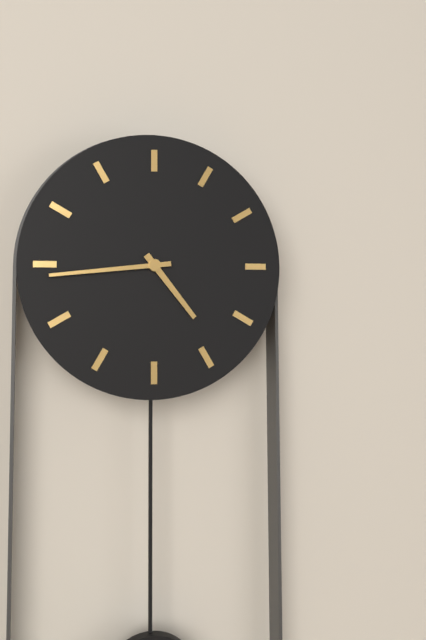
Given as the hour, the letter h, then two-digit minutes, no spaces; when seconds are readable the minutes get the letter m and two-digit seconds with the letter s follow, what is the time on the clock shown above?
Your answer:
4h44
